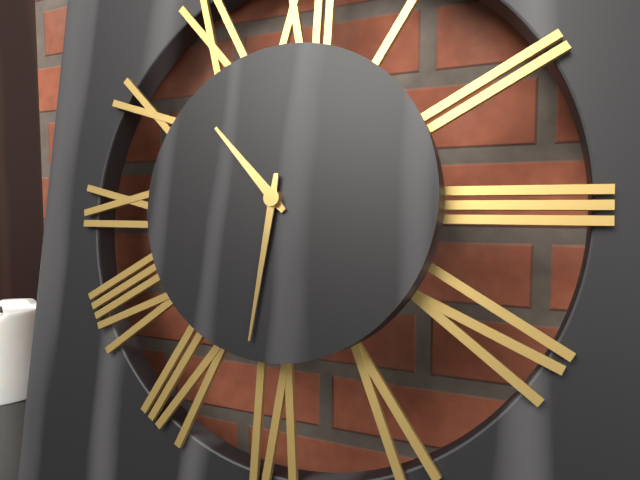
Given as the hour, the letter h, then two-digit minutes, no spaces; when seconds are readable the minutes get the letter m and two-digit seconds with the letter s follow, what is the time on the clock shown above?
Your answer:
10h31
